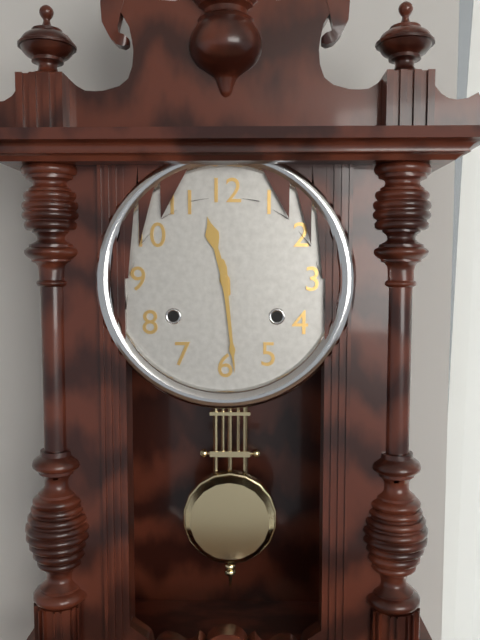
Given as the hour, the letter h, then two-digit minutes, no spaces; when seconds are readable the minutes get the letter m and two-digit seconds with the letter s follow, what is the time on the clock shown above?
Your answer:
11h29
